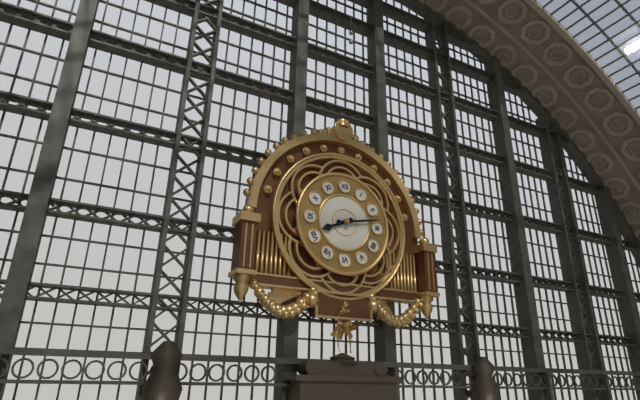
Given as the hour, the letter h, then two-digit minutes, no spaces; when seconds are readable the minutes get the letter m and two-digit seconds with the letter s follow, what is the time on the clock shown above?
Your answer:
8h13
